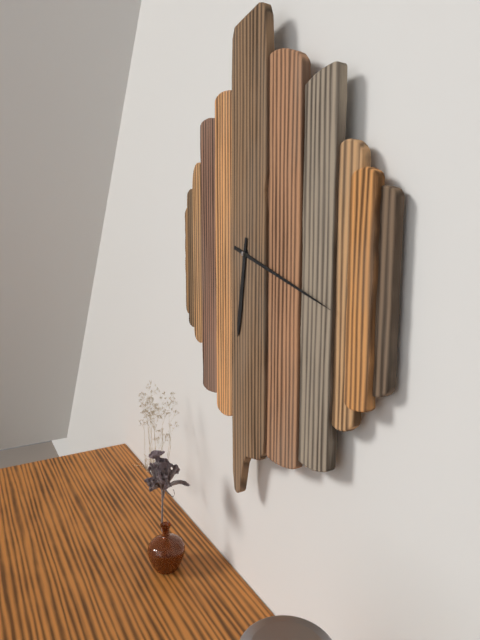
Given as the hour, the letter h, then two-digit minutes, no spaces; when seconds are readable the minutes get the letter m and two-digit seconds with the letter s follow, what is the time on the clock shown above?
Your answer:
6h18
